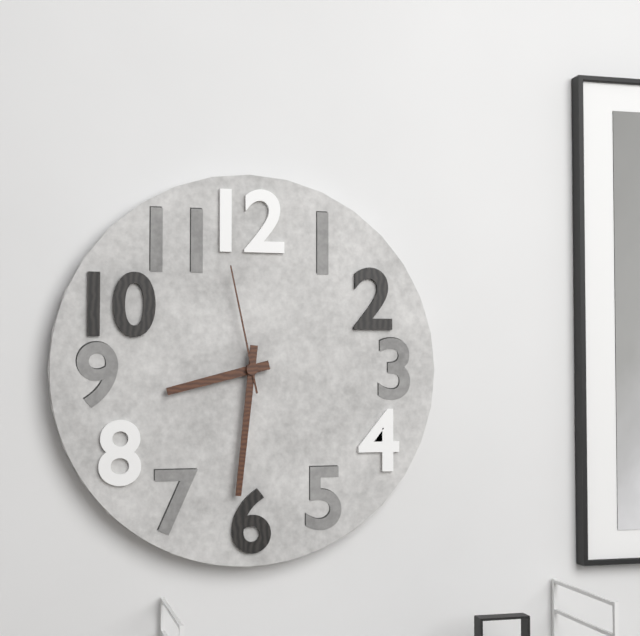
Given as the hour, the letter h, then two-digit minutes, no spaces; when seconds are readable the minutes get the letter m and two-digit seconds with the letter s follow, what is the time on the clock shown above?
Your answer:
8h31m58s
